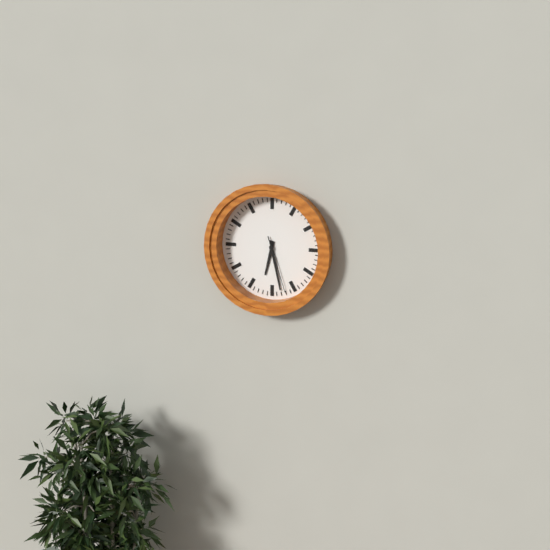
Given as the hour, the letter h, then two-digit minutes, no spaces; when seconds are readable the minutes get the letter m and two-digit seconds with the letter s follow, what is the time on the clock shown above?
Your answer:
6h28m27s
